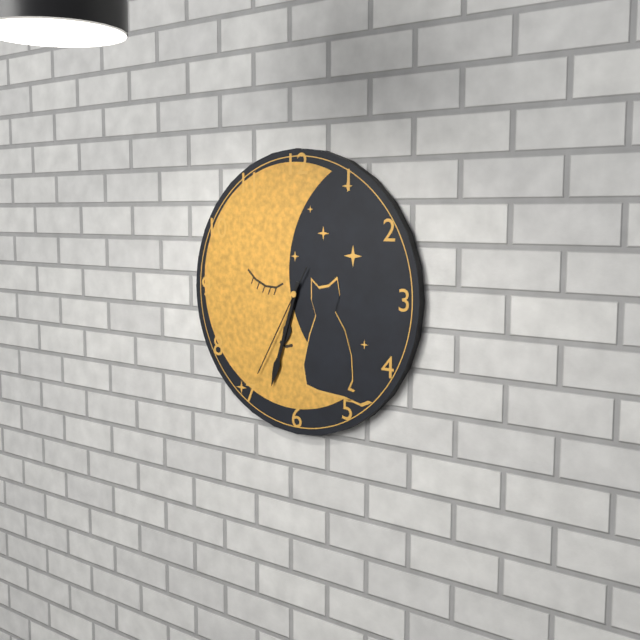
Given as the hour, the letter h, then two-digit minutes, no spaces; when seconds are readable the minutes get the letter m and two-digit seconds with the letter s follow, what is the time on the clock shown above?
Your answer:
6h33m35s
